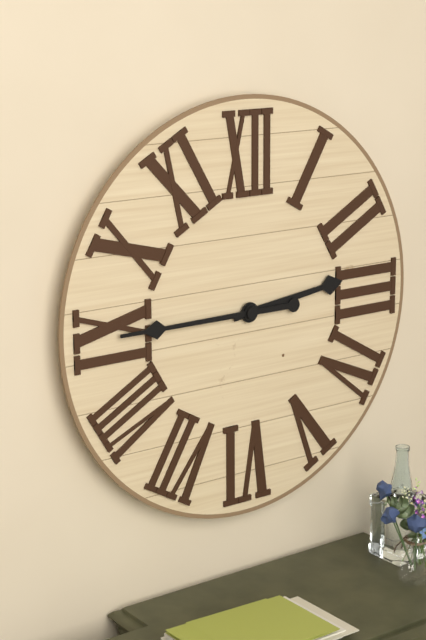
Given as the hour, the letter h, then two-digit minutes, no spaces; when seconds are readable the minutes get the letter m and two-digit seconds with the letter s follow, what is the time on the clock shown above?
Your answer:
2h45
